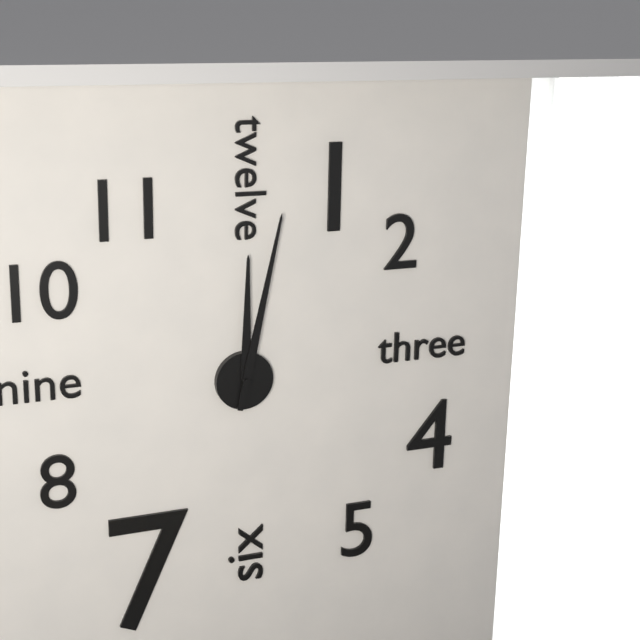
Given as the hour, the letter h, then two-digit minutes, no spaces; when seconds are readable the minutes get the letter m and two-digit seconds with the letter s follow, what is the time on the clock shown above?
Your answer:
12h02
